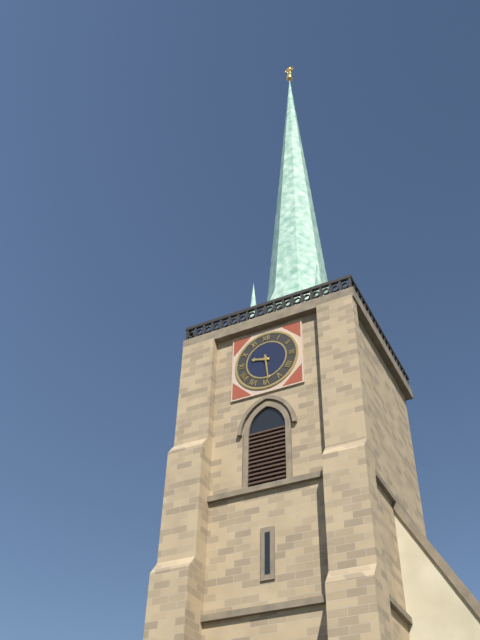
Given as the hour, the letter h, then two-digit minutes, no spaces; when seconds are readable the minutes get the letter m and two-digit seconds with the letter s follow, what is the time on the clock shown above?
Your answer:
9h29
